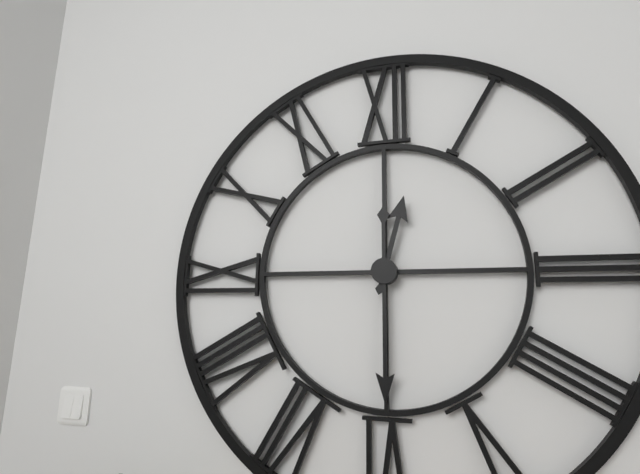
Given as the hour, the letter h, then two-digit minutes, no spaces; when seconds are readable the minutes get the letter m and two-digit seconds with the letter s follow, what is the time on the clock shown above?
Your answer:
12h30
